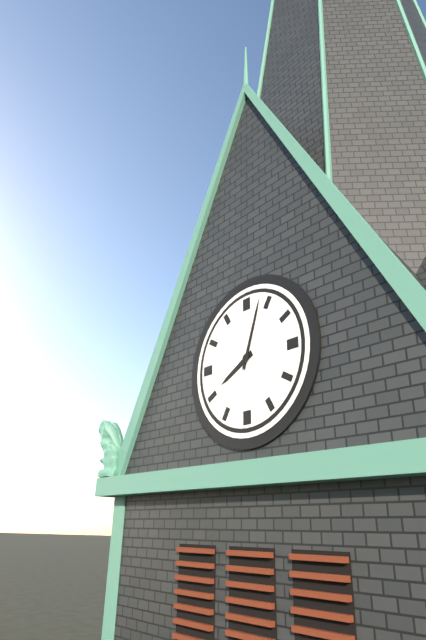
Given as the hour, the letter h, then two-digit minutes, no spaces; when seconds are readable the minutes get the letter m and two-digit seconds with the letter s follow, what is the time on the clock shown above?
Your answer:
8h03
